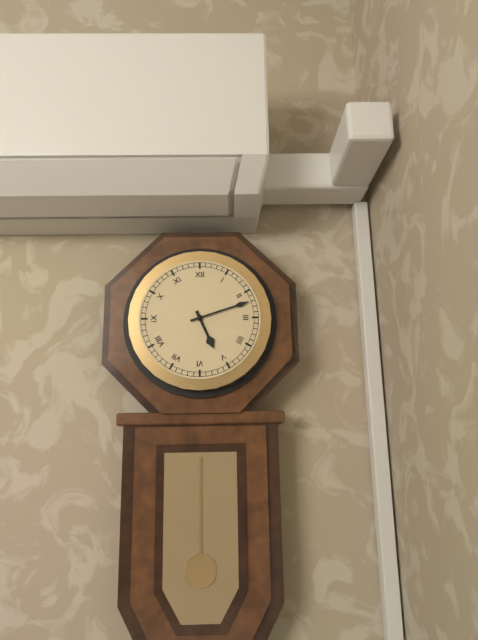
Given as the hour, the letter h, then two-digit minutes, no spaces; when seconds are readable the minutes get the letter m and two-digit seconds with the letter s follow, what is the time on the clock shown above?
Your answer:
5h12
